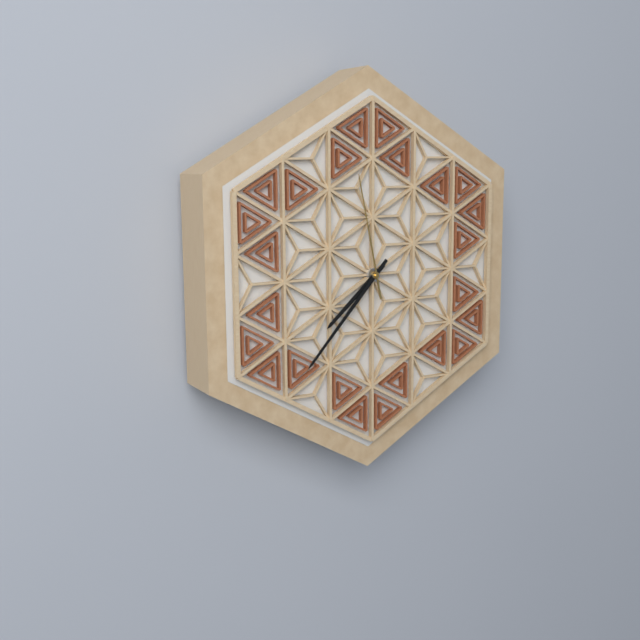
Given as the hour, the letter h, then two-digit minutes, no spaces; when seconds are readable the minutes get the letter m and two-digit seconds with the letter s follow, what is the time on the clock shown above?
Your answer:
7h37m58s
